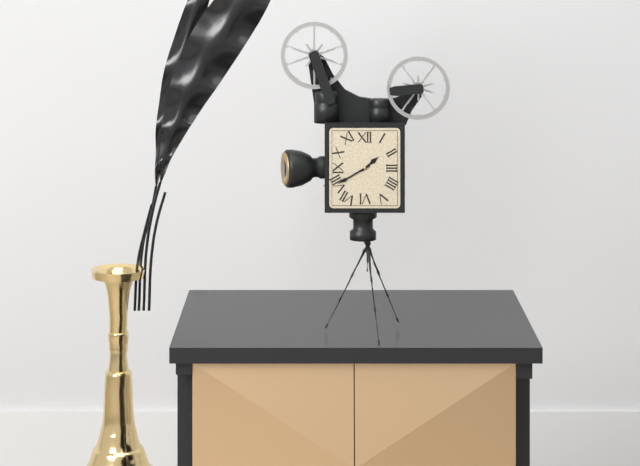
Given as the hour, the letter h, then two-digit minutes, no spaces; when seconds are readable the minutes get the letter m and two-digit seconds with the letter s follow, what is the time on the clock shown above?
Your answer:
1h40
